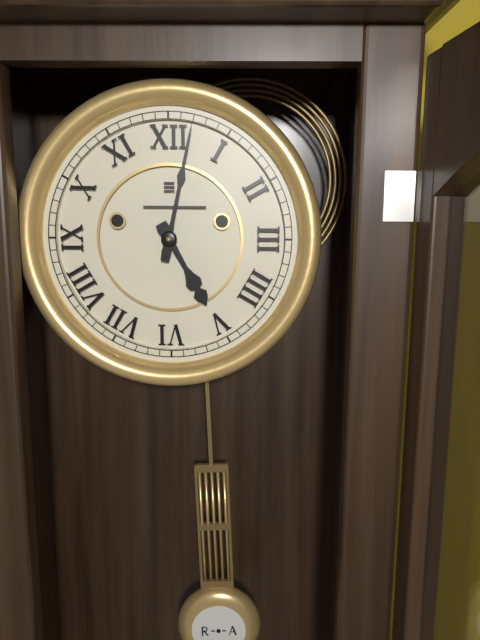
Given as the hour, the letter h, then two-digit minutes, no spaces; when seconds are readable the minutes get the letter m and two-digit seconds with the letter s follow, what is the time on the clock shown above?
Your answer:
5h02
